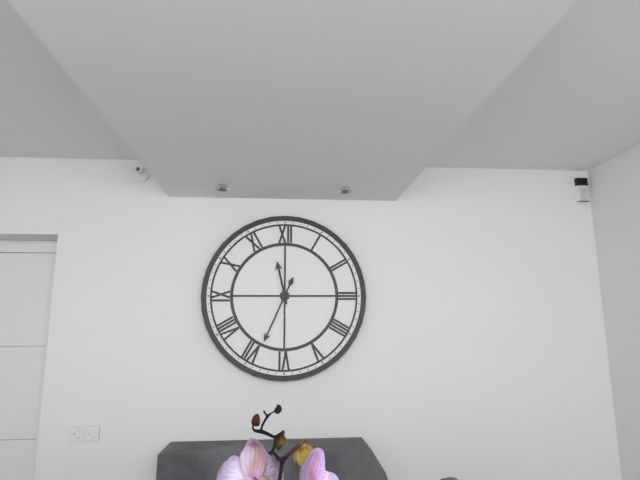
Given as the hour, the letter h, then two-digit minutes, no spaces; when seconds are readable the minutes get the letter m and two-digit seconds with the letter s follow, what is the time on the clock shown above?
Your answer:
11h34
